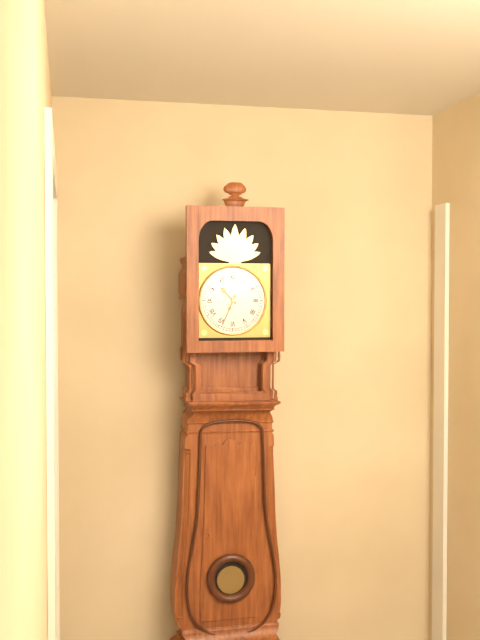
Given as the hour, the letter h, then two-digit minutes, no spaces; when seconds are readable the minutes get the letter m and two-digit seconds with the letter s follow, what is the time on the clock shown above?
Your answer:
10h34
